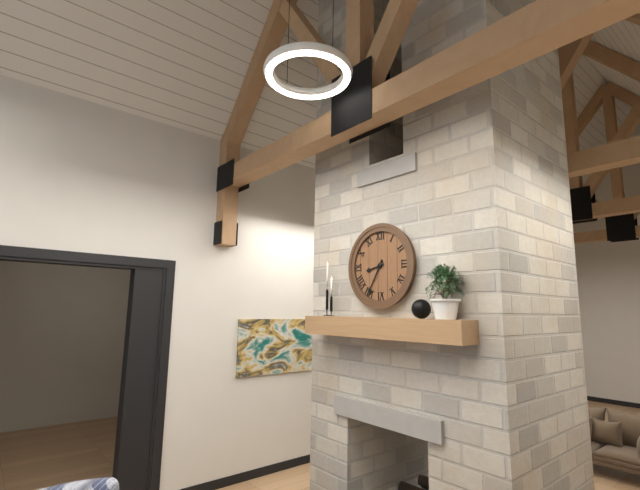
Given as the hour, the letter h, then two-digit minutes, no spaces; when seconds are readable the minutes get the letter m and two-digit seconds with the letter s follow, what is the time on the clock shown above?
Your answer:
8h35
